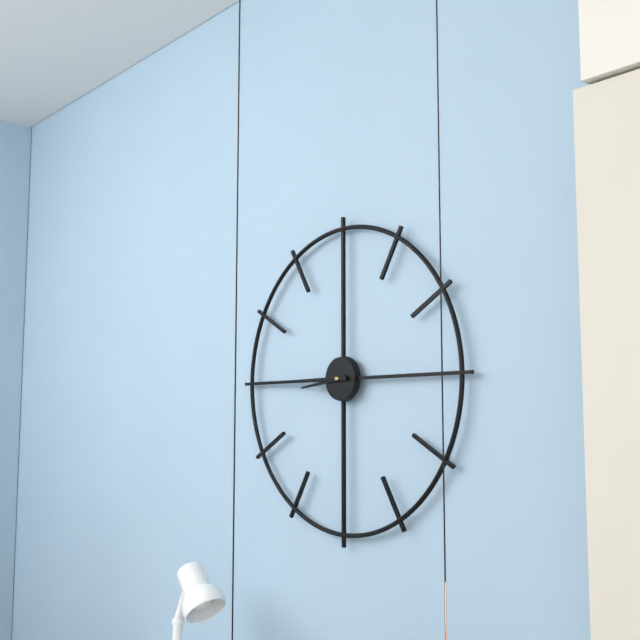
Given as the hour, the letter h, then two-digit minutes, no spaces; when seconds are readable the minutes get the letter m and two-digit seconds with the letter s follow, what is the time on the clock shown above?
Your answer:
8h45
